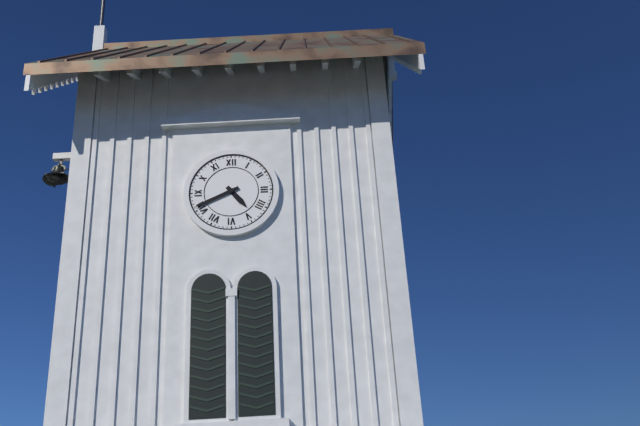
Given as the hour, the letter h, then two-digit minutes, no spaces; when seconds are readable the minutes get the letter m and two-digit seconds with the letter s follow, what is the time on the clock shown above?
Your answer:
4h41
